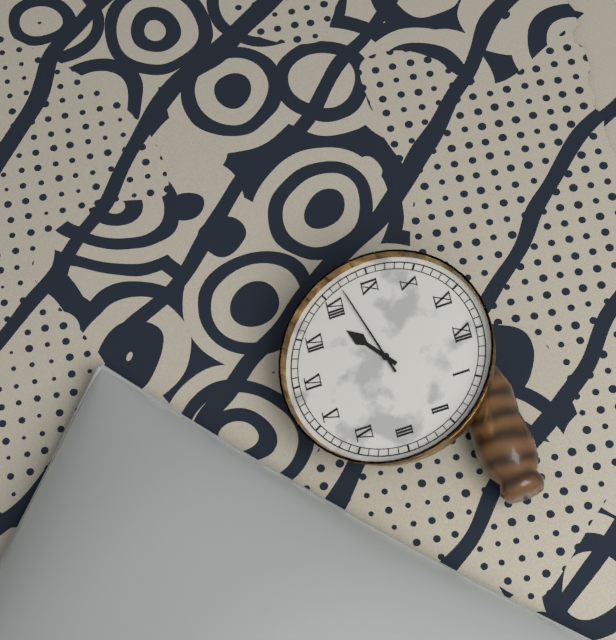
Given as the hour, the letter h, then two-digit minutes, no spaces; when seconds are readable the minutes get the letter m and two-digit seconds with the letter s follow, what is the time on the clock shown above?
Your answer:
7h42
